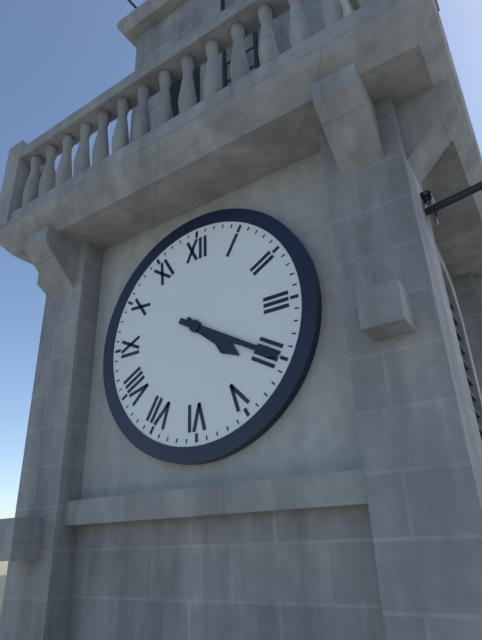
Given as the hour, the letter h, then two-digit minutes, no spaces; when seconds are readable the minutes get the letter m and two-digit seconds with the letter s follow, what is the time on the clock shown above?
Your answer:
4h20
